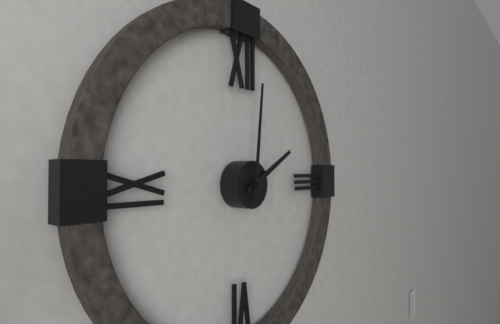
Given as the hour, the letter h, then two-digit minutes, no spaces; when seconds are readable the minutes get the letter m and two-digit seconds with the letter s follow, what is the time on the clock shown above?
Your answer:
2h01
